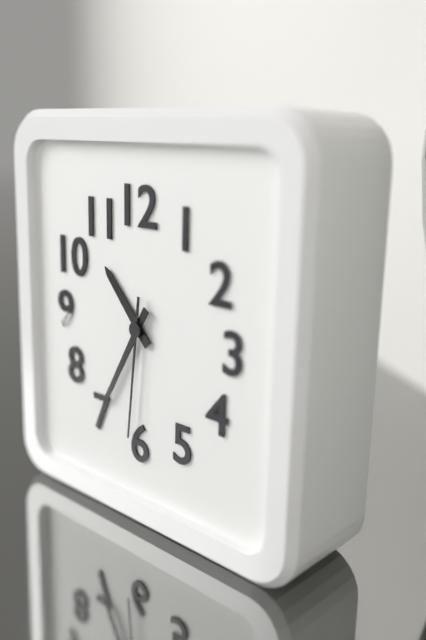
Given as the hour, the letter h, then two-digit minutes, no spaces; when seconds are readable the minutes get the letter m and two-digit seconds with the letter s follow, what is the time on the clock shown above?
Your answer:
10h35m31s
